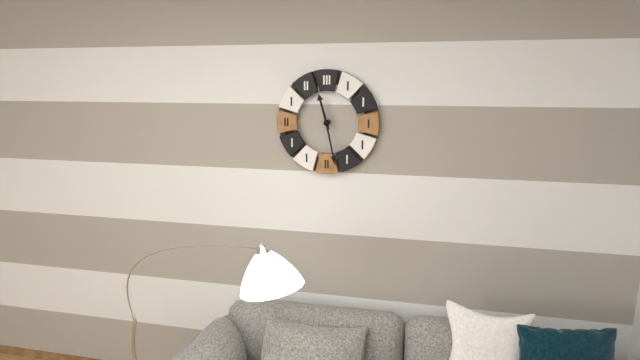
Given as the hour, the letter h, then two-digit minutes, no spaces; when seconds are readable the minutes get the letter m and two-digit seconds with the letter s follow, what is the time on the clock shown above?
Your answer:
11h28
